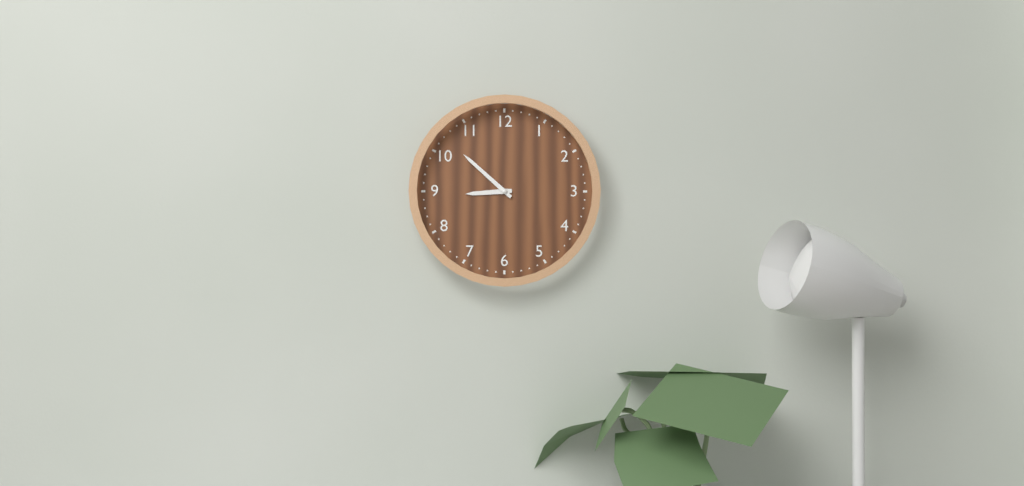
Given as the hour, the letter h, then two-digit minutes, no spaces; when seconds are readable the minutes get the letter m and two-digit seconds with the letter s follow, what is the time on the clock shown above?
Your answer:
8h52
